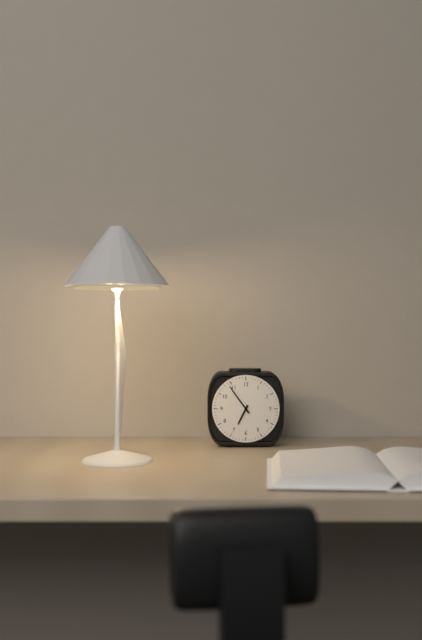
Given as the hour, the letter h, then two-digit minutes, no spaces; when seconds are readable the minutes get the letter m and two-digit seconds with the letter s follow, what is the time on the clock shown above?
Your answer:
6h54
